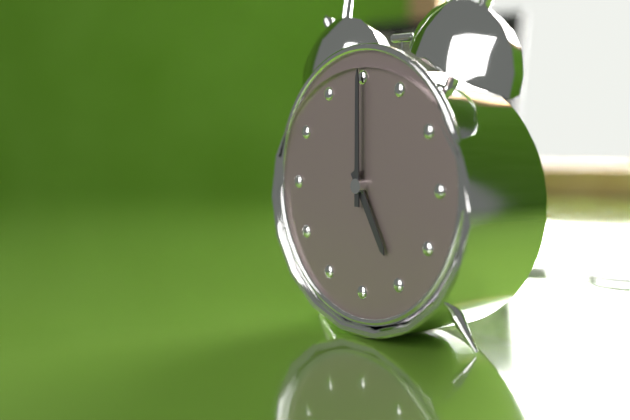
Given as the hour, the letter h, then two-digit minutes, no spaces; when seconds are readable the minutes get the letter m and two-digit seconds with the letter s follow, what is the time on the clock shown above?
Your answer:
5h00
